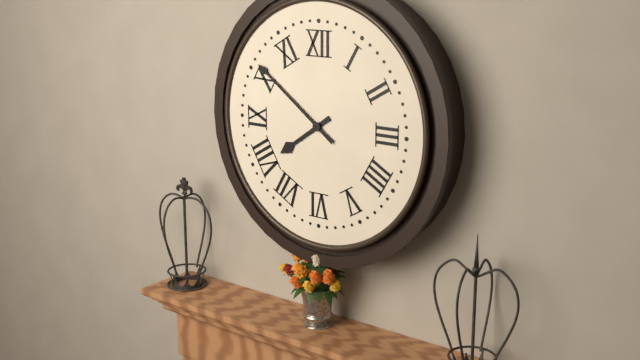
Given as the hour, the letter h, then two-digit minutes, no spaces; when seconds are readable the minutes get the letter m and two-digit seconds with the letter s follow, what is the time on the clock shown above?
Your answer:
7h51
